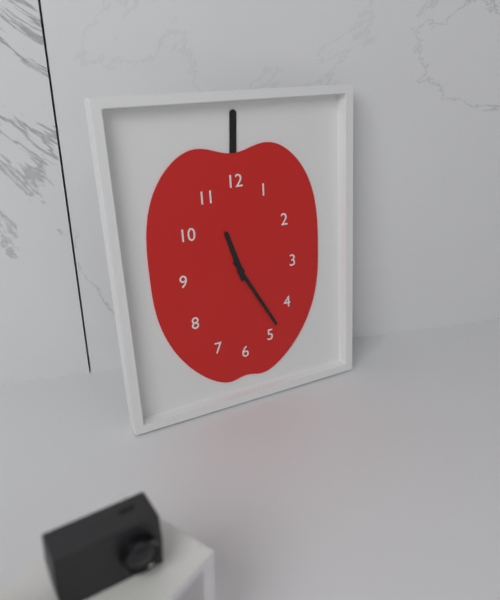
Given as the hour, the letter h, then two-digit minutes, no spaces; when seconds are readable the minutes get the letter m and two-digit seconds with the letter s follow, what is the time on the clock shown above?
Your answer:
11h25
